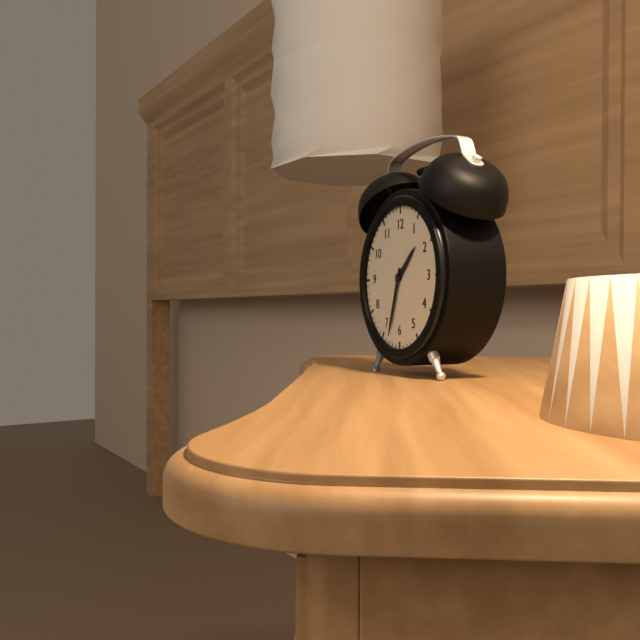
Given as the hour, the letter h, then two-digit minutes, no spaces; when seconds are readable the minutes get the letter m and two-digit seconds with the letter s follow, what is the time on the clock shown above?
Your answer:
1h33
